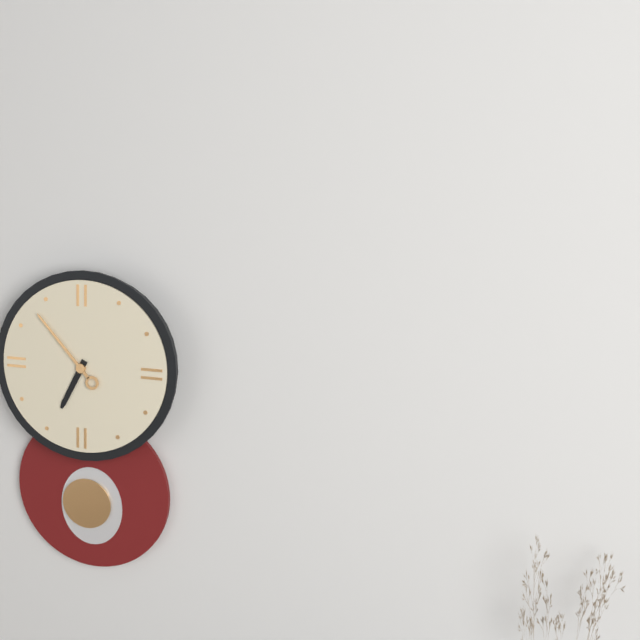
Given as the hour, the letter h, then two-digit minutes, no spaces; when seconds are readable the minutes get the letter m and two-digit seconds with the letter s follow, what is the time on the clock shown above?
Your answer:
6h53
